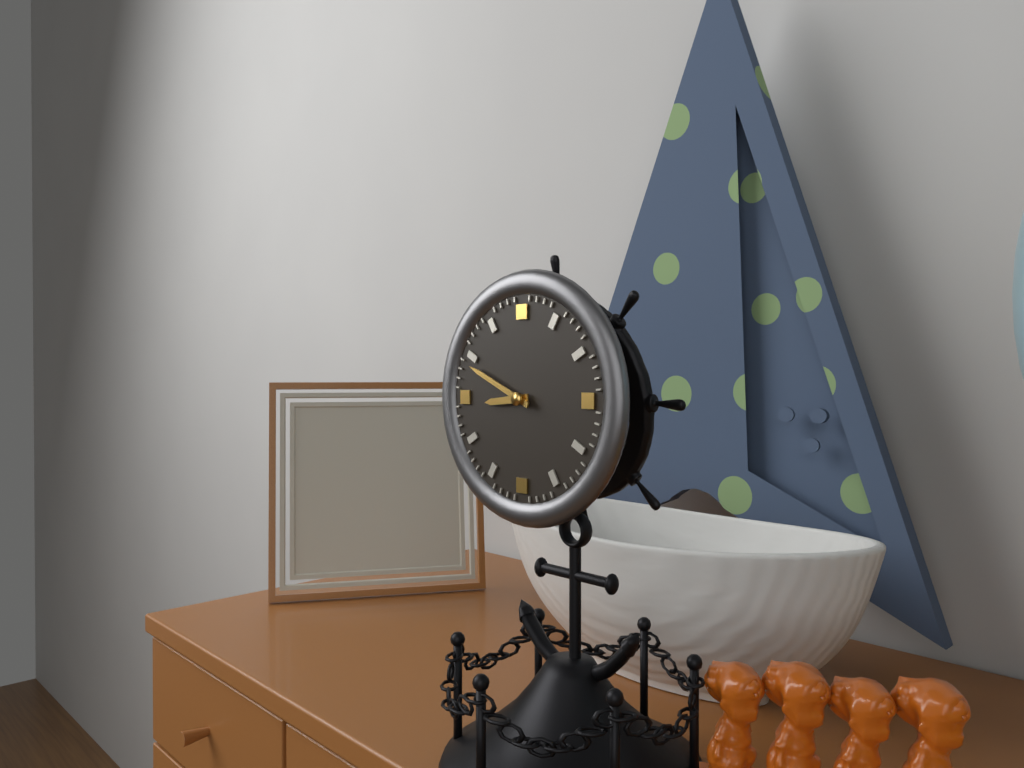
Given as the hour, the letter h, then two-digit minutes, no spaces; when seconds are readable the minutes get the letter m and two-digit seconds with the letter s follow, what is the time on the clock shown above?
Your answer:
8h49
